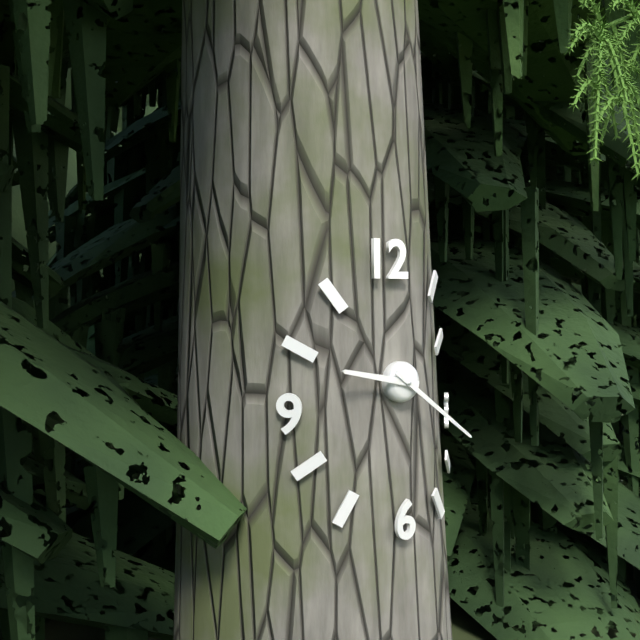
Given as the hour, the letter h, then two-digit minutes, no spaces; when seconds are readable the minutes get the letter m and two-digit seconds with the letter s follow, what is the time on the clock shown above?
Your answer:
9h21
